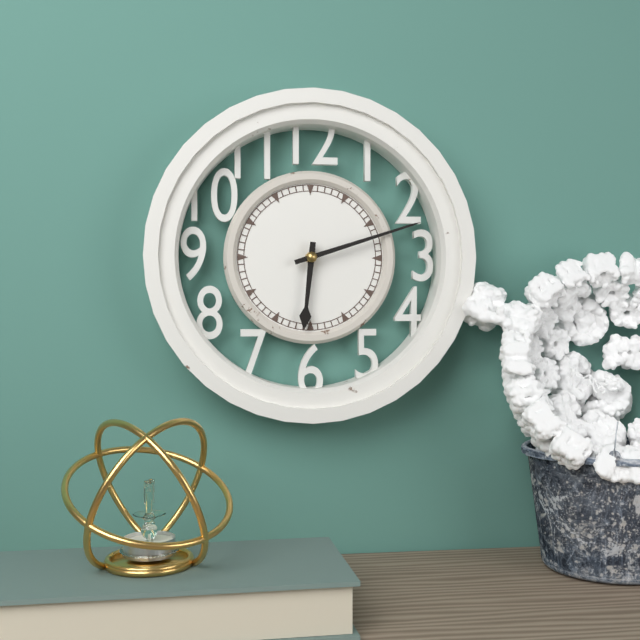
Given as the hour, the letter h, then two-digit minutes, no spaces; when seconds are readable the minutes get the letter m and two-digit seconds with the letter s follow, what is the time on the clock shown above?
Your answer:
6h12
